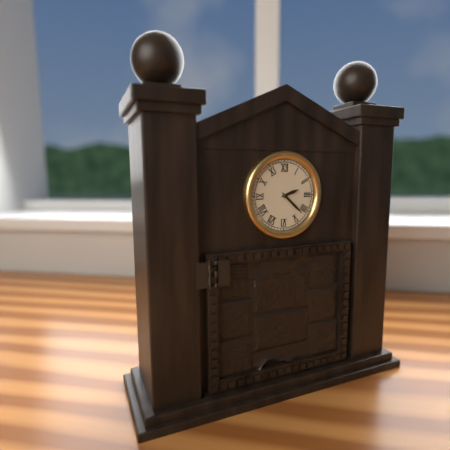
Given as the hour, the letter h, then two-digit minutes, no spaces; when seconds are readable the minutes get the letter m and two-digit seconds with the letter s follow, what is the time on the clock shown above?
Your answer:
2h22
